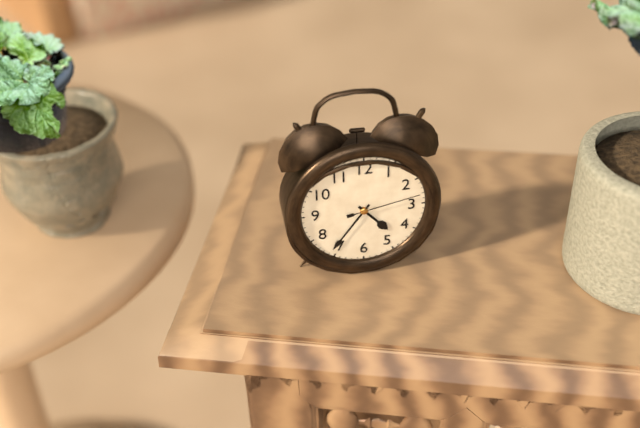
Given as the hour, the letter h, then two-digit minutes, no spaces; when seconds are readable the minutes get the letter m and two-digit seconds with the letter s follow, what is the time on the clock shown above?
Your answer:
4h36m13s
